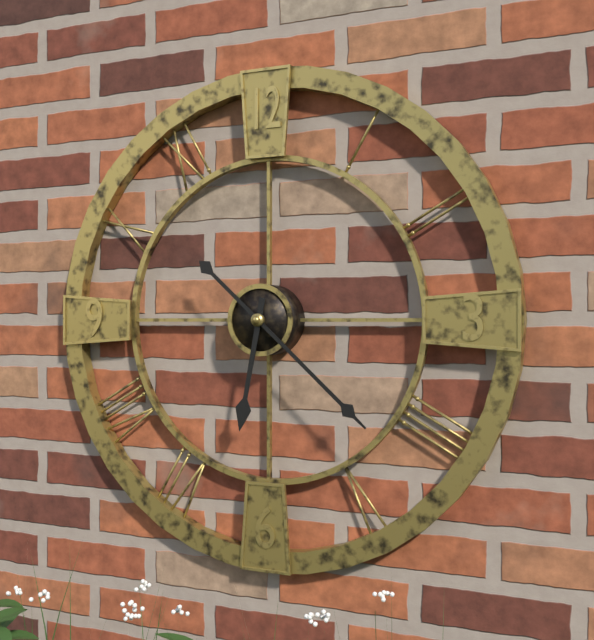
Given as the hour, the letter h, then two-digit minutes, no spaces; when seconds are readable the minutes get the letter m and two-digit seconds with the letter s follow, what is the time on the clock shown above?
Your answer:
6h22
